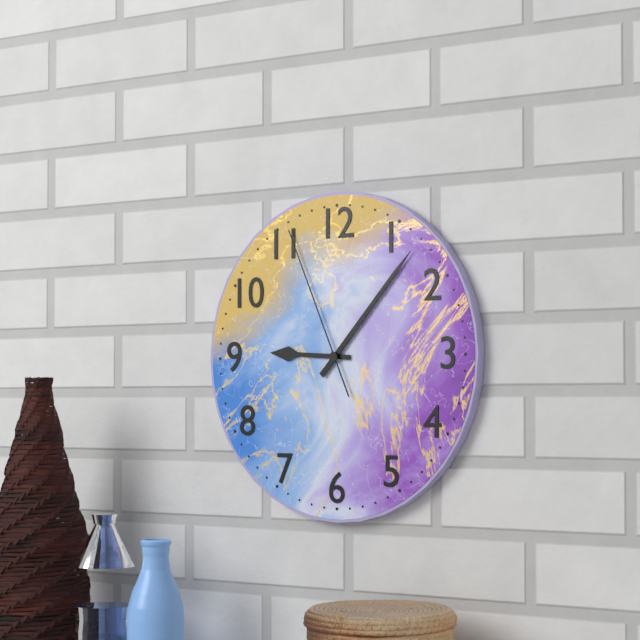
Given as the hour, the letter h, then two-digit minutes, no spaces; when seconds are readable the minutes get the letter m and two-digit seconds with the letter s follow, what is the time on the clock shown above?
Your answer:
9h07m56s
